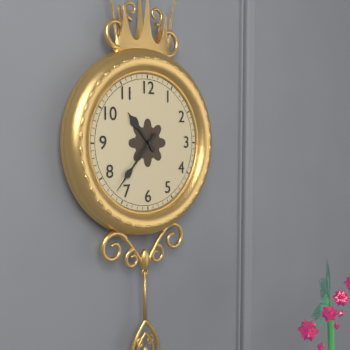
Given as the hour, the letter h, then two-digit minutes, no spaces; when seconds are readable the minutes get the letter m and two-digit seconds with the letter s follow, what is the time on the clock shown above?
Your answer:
10h37
